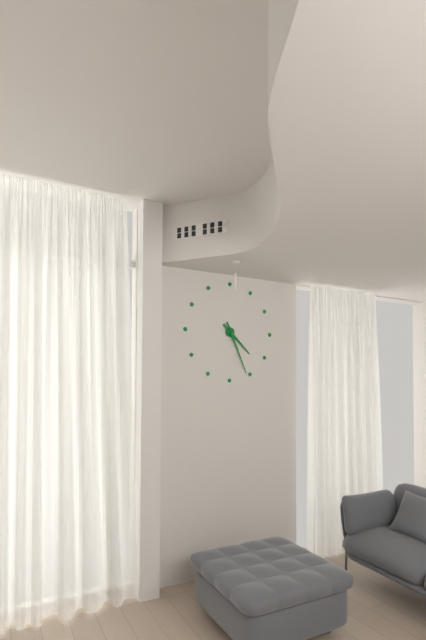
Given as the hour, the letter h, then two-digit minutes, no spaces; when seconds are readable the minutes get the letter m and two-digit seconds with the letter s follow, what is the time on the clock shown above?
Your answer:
4h26
